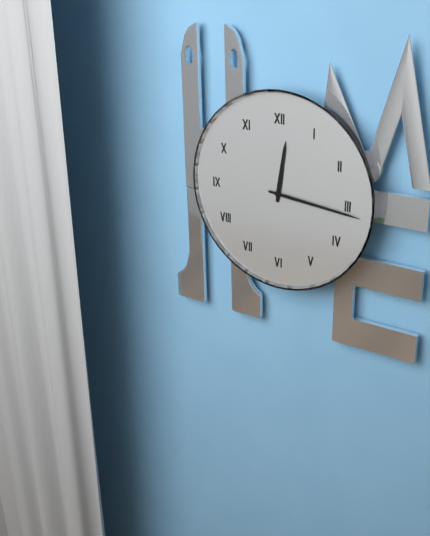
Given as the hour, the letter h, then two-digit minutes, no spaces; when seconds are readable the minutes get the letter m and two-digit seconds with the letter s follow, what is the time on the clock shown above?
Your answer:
12h16
